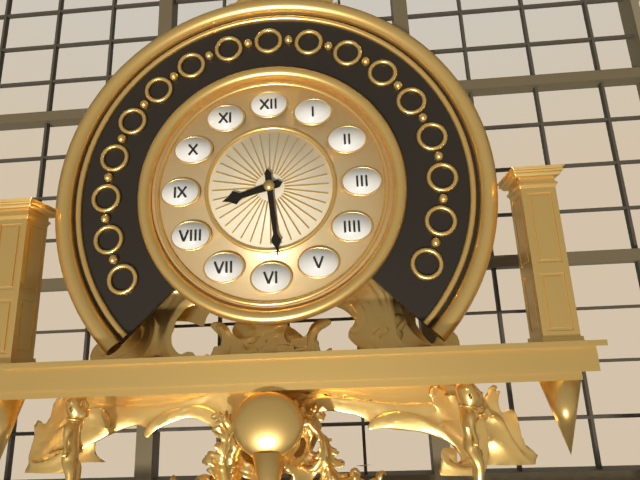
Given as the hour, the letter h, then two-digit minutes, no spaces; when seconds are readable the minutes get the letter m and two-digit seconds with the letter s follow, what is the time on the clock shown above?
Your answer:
8h29
